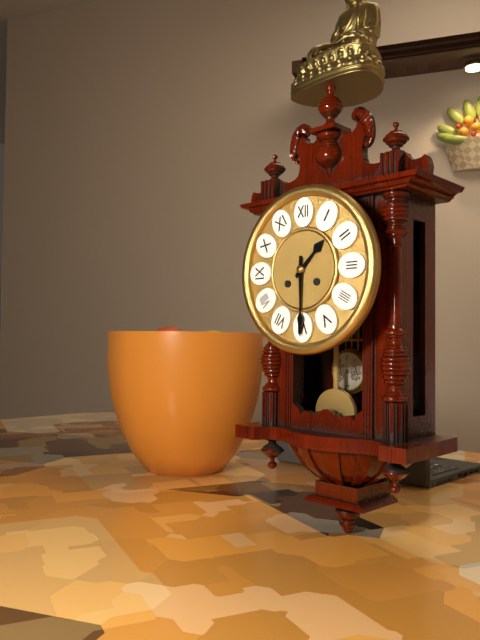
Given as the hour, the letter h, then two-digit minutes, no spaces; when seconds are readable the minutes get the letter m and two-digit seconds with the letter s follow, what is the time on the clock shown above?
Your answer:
1h30
